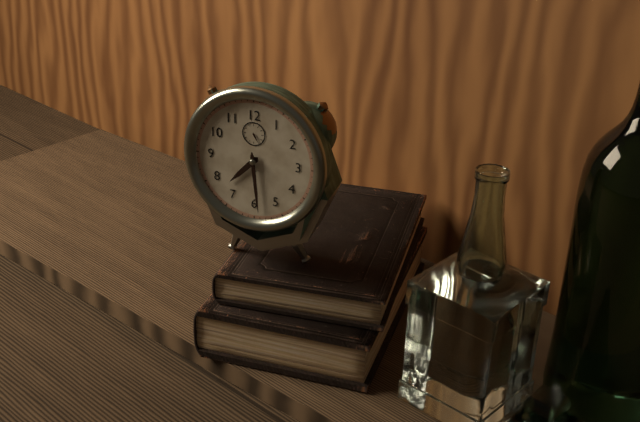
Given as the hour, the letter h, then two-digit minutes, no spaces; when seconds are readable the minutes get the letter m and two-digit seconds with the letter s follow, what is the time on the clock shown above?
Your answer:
7h29
